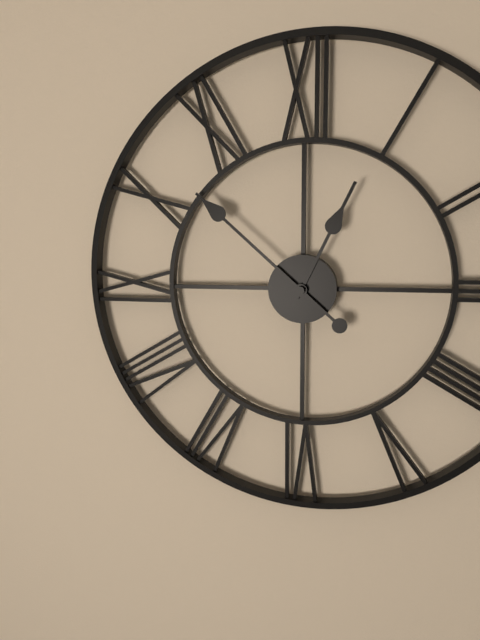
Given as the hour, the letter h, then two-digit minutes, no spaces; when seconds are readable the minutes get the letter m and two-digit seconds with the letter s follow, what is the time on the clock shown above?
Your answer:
12h52
